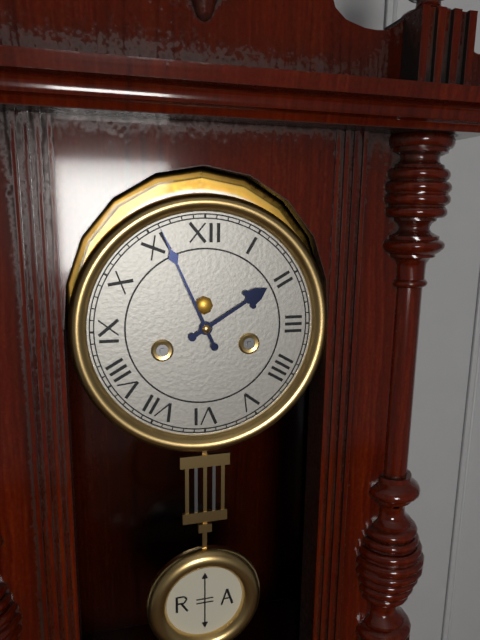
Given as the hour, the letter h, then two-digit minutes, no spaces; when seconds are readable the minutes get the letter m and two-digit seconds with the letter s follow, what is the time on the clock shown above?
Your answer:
1h56
